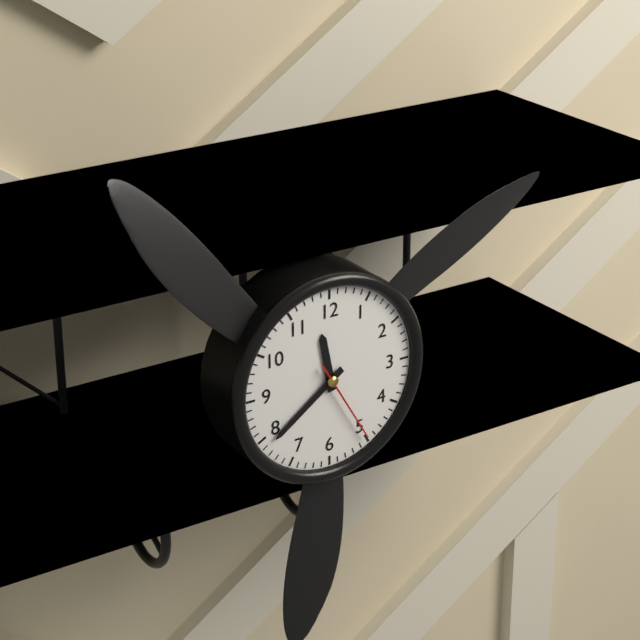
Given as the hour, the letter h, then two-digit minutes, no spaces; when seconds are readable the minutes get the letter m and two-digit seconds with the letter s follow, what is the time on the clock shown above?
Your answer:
11h39m25s
